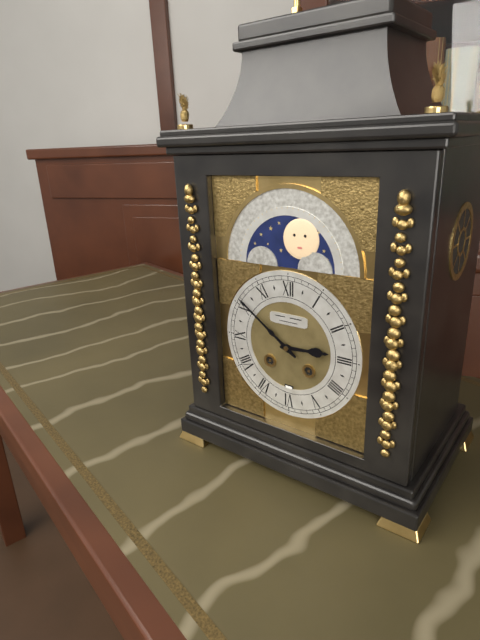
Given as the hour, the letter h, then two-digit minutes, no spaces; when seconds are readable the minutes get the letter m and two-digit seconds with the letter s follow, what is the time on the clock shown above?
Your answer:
2h51
